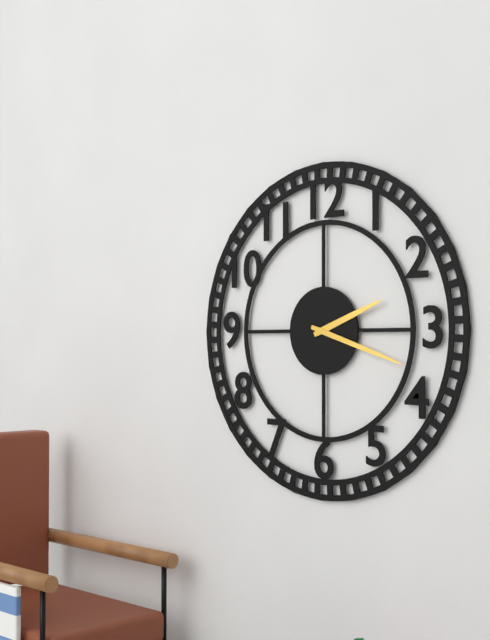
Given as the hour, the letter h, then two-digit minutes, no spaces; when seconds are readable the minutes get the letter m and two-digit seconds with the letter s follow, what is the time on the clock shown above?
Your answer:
2h18
